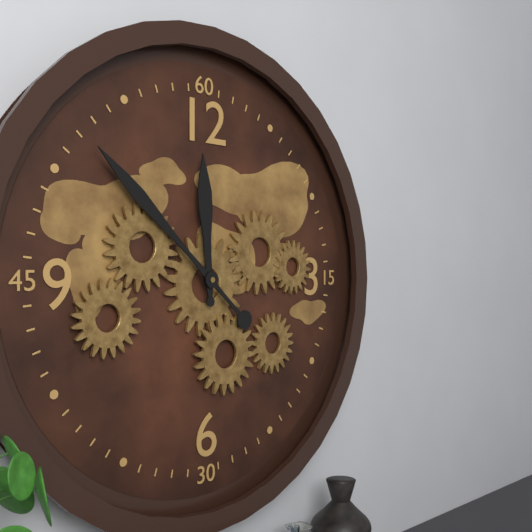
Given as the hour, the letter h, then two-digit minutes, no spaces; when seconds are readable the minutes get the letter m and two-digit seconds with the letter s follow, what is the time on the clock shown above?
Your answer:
11h52
